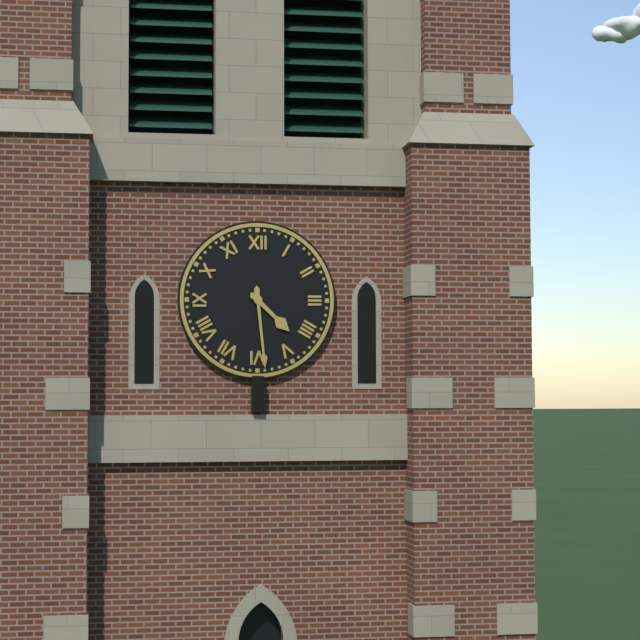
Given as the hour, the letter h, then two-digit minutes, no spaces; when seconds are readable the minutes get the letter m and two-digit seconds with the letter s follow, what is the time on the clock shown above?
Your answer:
4h29
